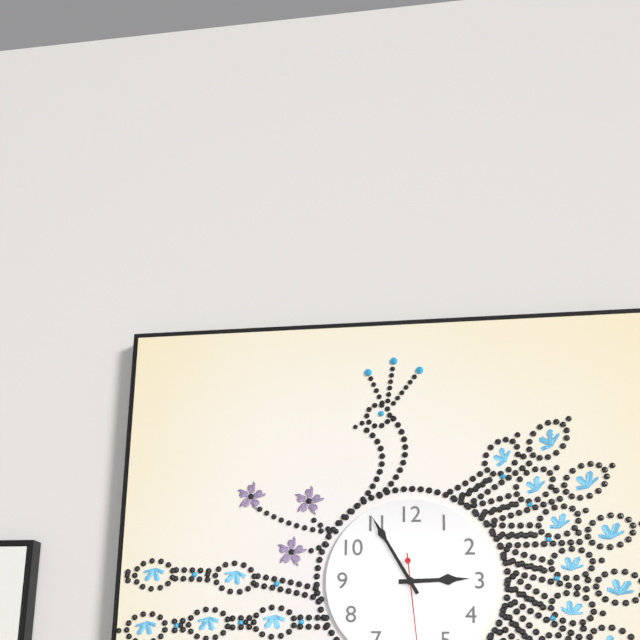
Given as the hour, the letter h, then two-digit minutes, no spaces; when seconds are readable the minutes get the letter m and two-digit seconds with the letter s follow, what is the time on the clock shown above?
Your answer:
2h55
